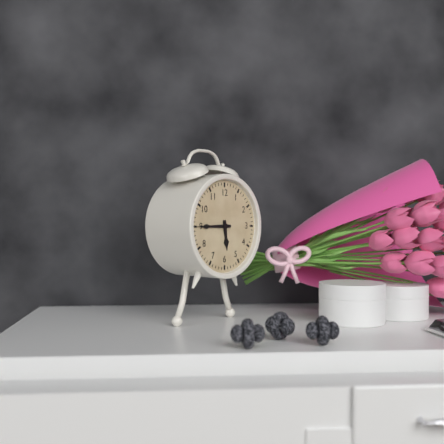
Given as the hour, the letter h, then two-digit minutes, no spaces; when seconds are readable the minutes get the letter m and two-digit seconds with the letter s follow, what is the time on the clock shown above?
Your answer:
5h45
